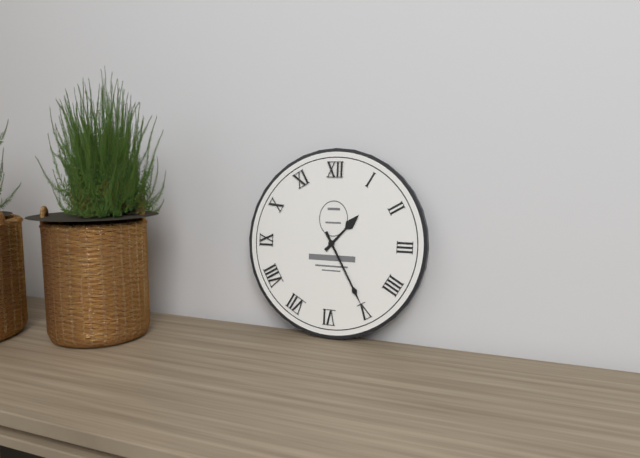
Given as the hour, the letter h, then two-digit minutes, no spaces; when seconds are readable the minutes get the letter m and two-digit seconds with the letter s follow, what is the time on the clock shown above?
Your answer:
1h25
